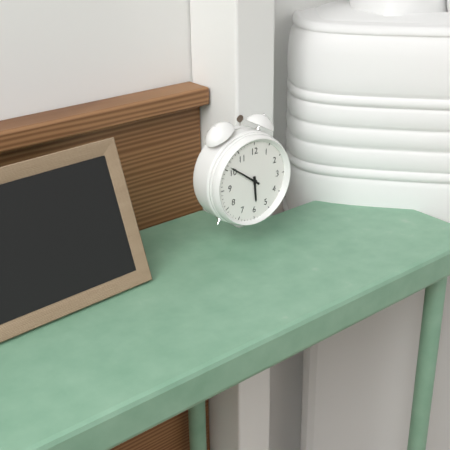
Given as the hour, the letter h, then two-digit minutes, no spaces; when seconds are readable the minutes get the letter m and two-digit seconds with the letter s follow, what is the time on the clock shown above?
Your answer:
5h51
